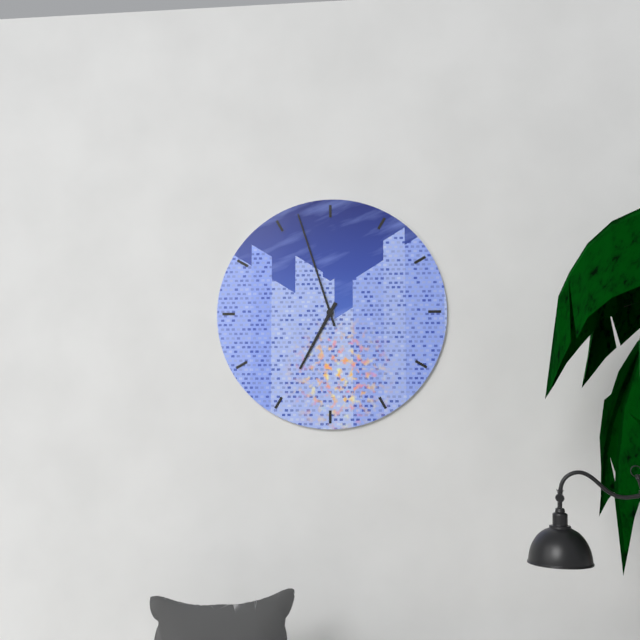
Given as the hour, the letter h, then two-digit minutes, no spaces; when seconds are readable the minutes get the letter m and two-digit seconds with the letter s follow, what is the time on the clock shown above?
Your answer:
6h57
